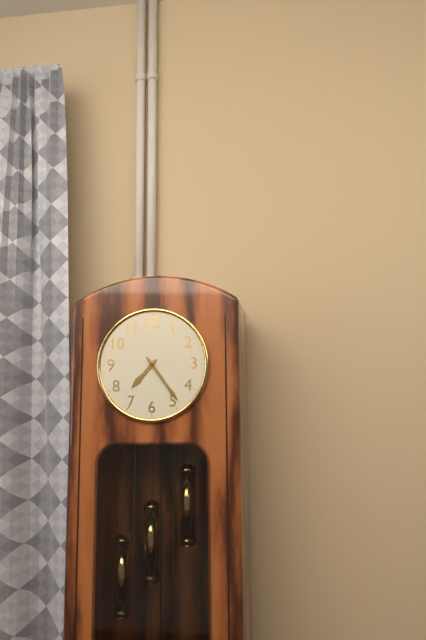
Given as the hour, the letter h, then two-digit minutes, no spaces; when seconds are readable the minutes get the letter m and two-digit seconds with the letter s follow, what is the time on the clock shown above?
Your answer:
7h24
